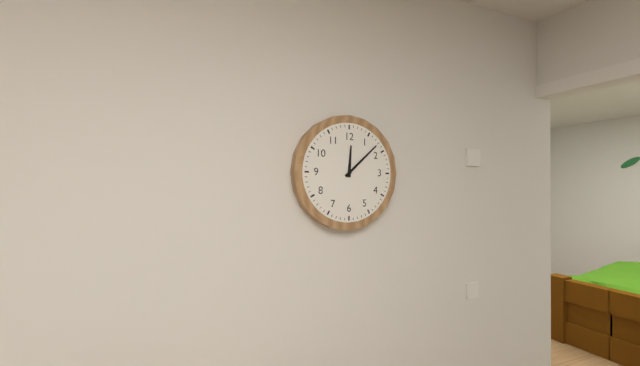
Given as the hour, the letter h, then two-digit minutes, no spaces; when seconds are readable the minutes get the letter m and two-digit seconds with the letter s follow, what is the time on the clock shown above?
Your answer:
12h08
